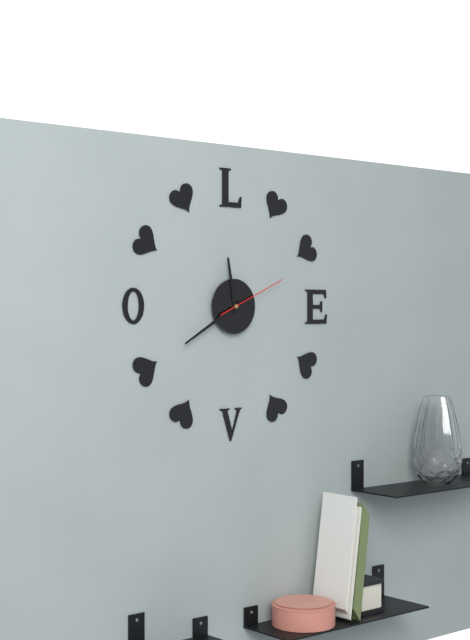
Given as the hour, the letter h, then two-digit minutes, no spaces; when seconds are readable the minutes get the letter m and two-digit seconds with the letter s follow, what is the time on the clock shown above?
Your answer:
11h40m11s
